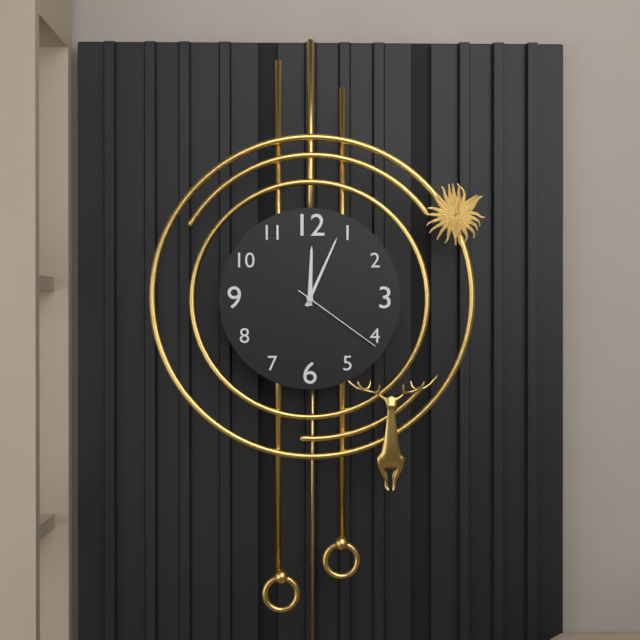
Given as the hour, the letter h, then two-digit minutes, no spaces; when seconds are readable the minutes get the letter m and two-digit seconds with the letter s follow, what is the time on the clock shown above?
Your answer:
12h04m21s
